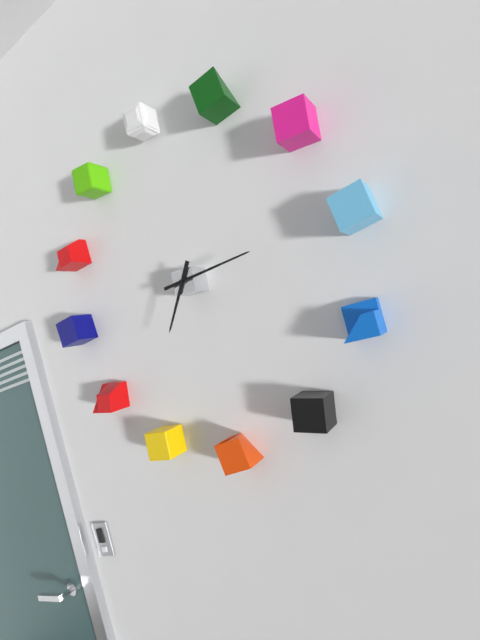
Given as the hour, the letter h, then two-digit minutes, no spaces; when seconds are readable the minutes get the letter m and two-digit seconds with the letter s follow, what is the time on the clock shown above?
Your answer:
7h15
